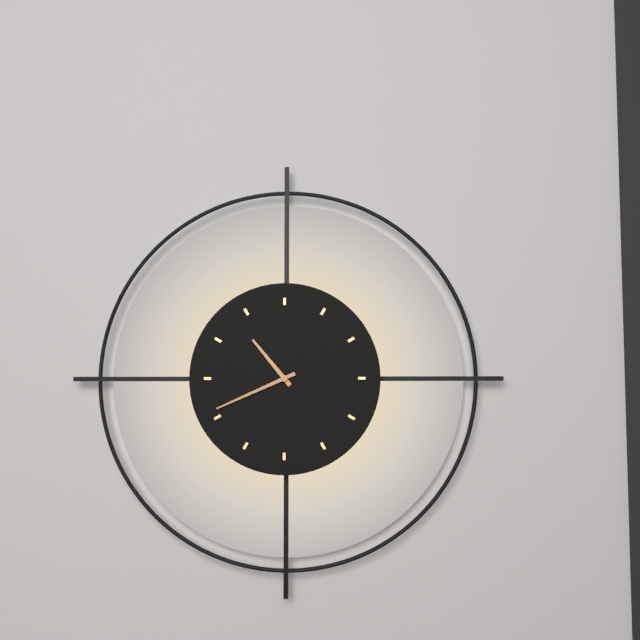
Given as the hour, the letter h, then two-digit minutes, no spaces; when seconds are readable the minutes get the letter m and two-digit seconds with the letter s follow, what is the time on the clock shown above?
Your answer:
10h41
